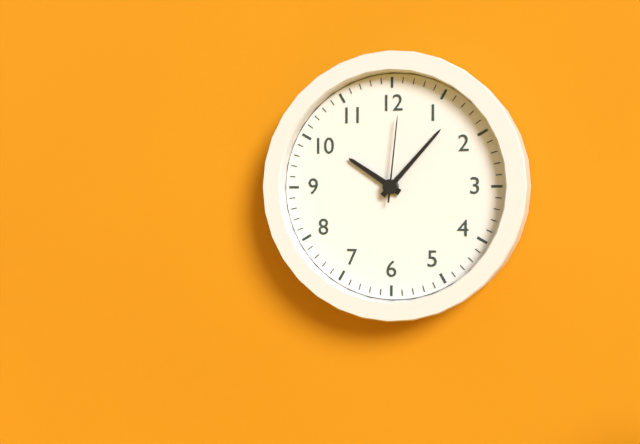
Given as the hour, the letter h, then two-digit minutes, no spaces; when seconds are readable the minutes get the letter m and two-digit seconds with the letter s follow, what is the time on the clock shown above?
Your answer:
10h07m01s
